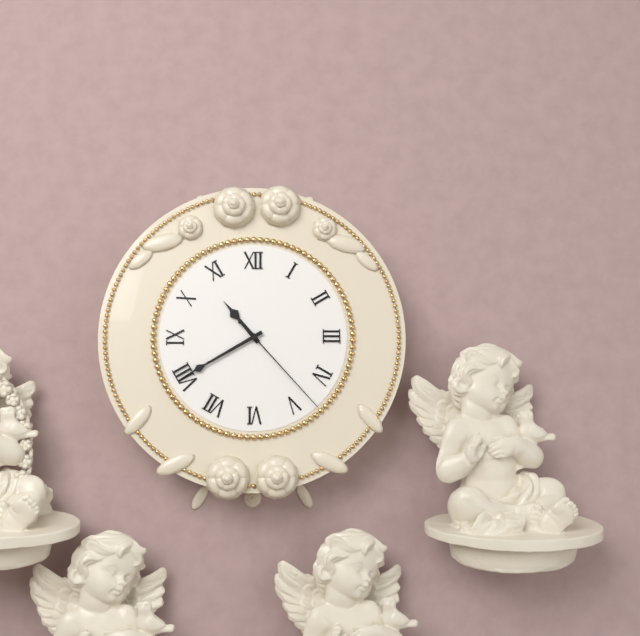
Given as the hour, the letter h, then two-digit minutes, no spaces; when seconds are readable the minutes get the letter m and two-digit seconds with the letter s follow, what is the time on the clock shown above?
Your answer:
10h40m23s
